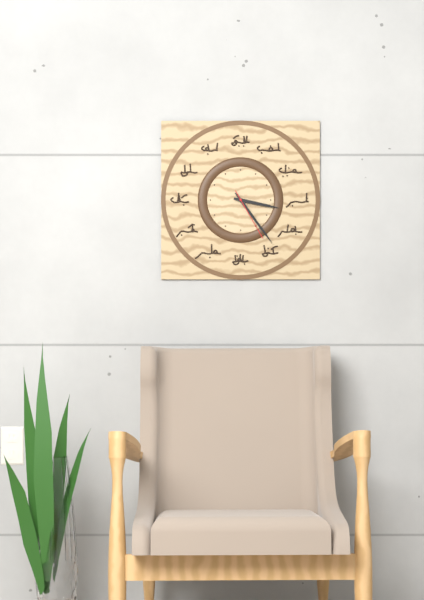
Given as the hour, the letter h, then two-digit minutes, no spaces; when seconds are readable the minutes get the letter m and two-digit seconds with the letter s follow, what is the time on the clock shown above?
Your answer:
3h24m25s
